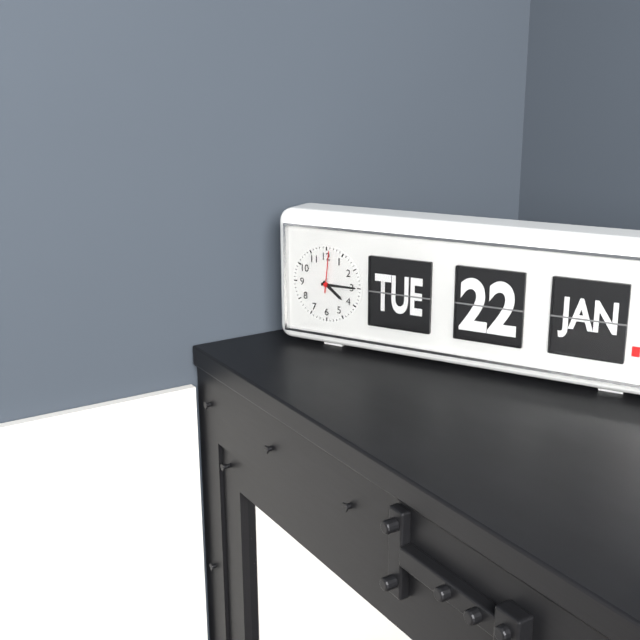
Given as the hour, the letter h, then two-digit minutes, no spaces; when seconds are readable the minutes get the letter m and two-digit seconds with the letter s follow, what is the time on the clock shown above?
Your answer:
4h15
